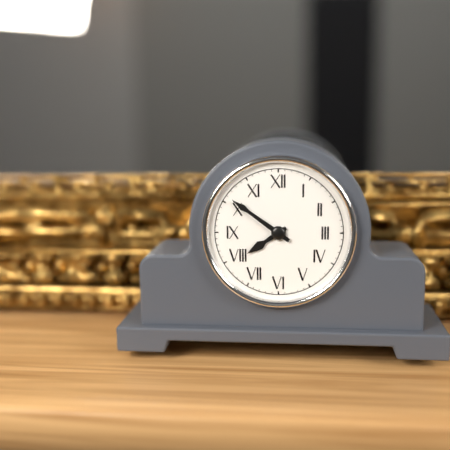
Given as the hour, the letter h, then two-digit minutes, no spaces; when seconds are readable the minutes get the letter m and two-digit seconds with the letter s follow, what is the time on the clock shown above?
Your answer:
7h51
